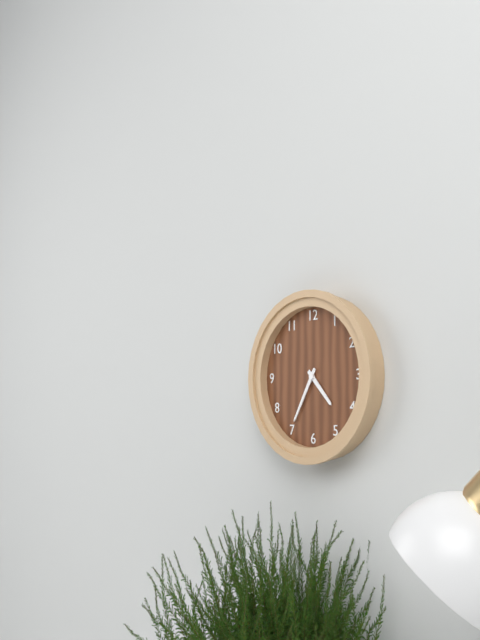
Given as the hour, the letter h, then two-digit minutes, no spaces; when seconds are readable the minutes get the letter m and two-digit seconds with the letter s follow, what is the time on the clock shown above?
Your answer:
4h35
